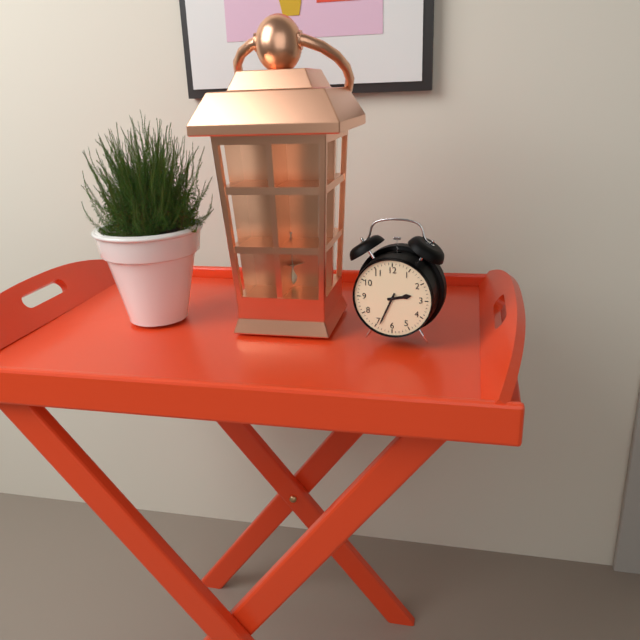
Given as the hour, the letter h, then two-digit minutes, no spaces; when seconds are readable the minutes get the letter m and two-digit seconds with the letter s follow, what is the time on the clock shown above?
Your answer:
2h34
